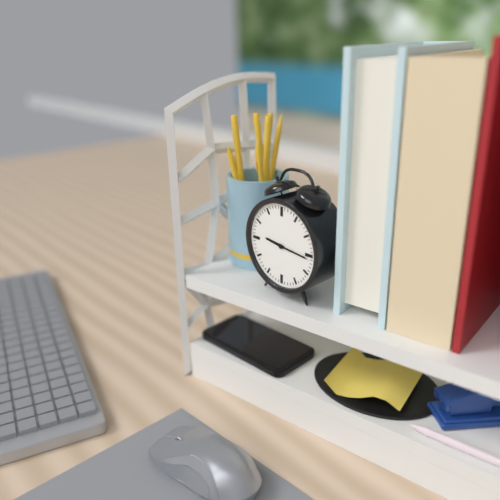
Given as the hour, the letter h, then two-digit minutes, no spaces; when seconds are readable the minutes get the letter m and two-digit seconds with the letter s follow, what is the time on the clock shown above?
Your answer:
9h16
